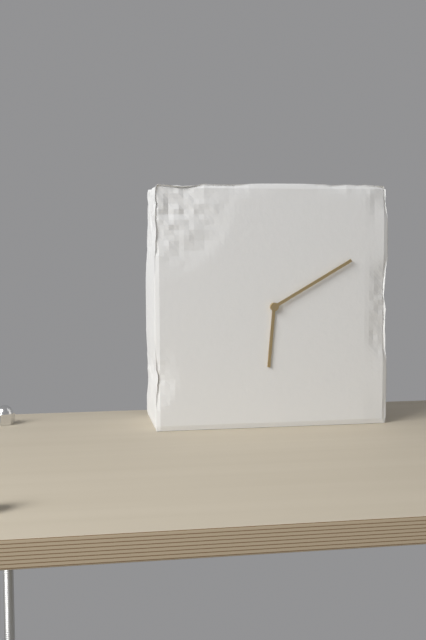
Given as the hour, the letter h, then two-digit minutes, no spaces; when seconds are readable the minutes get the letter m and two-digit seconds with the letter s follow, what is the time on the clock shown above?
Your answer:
6h10
